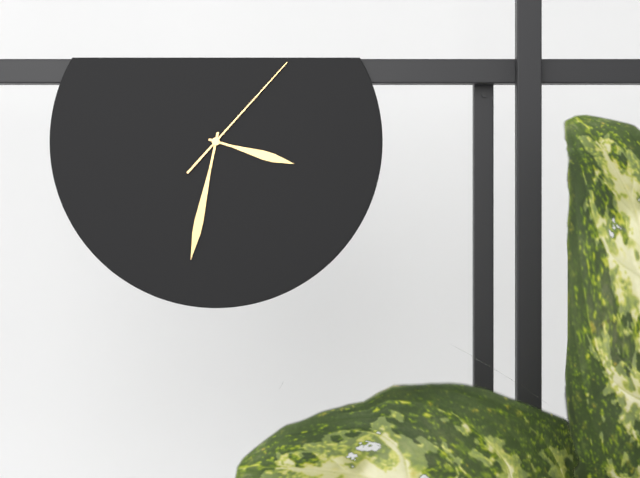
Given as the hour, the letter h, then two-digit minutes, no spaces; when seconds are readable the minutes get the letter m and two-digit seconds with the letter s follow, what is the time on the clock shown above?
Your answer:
3h32m07s
